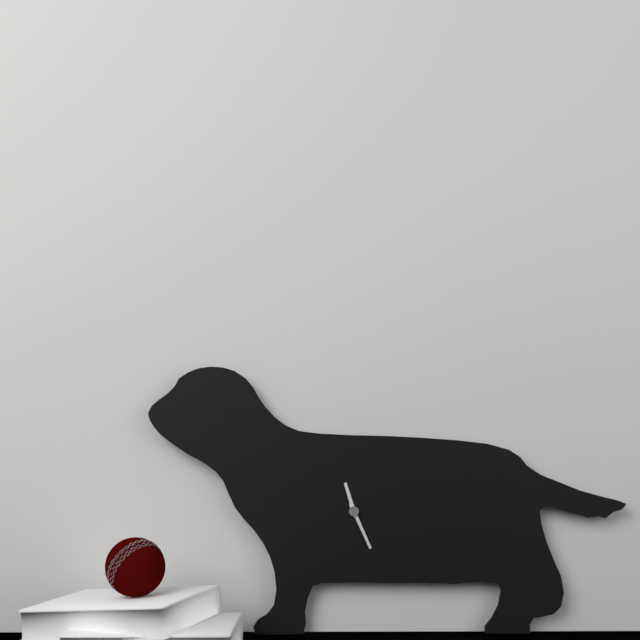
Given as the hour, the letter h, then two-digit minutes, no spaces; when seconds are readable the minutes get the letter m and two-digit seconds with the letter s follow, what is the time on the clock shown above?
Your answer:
11h26
